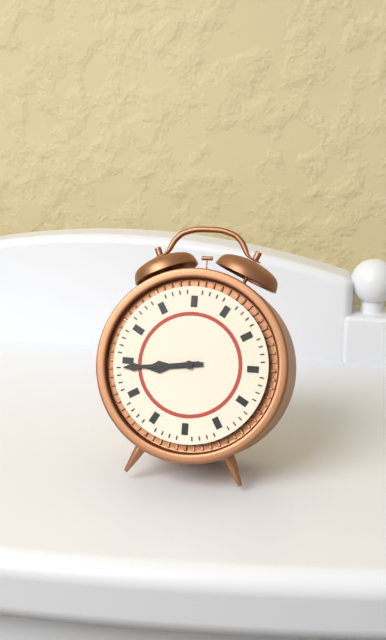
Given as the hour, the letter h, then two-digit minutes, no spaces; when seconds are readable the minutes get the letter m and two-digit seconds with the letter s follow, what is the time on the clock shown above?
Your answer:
8h44
